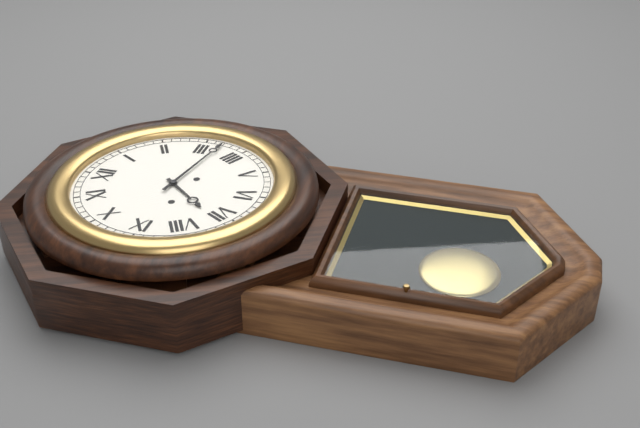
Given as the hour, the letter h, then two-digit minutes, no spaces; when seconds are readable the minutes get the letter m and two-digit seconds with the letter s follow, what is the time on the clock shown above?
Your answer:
7h17
